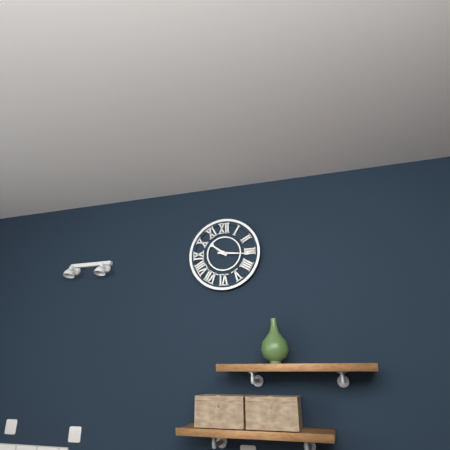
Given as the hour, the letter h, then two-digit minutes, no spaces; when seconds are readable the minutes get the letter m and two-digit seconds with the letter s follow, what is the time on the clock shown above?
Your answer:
10h16
